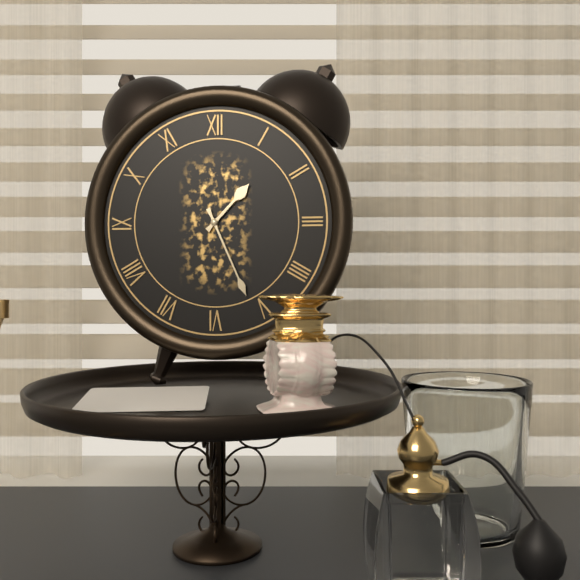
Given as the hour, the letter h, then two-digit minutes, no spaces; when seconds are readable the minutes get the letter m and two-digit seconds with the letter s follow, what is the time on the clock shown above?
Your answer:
1h26
